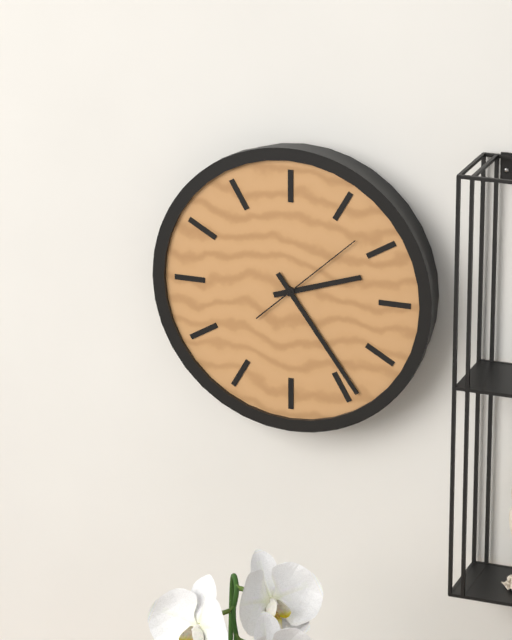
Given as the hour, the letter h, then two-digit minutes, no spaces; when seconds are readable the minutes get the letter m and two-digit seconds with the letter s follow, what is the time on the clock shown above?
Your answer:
2h24m08s
